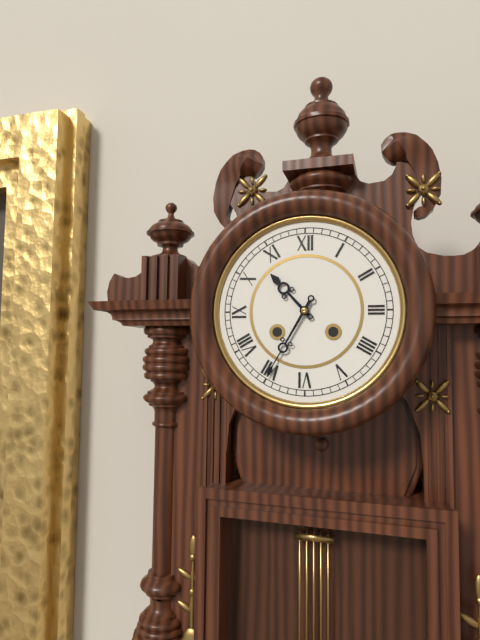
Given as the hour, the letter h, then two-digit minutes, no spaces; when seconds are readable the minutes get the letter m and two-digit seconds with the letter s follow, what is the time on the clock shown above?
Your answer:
10h35
